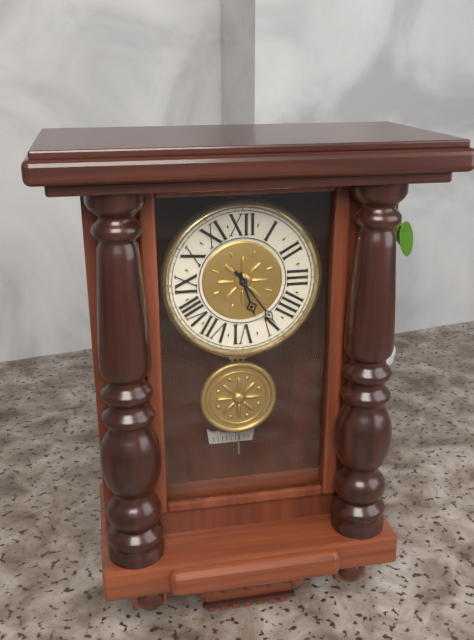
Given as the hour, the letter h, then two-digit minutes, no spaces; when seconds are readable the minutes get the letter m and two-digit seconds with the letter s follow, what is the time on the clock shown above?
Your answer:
5h24
